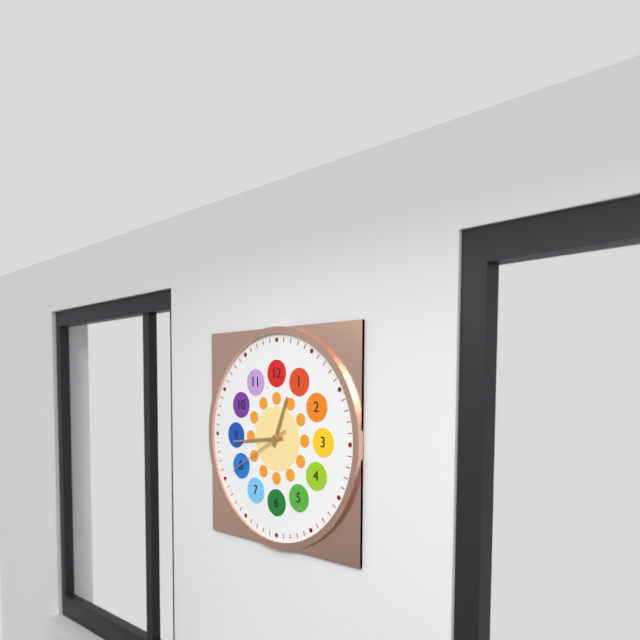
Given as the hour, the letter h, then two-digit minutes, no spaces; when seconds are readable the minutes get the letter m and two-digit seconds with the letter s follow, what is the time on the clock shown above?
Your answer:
12h44m40s
